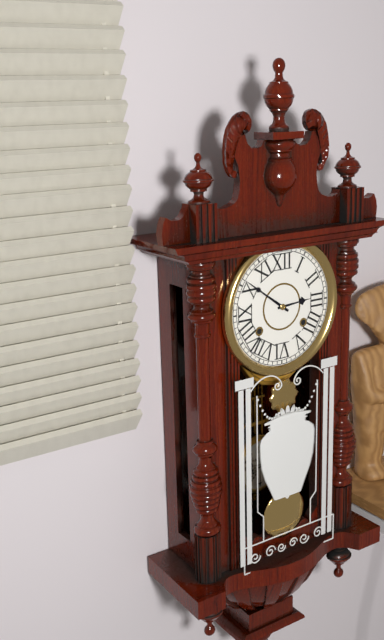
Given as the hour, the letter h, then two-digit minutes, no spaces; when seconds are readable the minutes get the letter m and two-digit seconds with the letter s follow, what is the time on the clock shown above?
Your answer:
2h51
